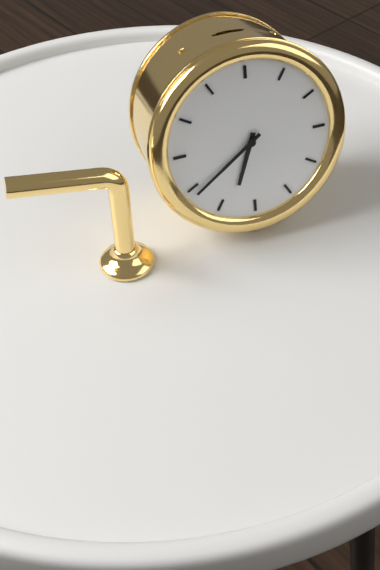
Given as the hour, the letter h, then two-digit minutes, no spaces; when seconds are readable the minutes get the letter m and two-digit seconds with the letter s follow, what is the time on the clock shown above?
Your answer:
6h39
